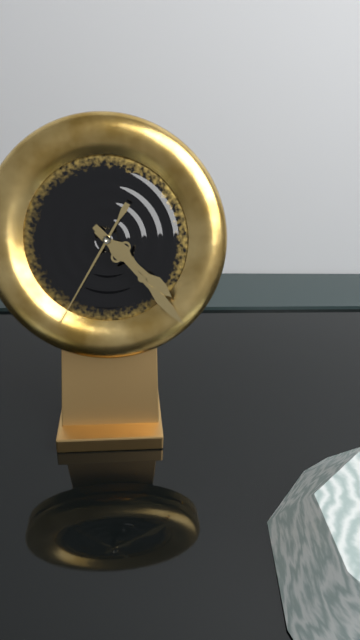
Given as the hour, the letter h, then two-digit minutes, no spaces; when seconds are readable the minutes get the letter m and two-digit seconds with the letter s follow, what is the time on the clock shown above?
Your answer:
4h23m35s
